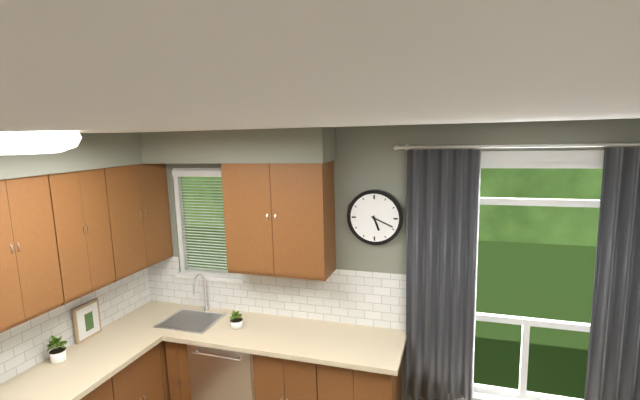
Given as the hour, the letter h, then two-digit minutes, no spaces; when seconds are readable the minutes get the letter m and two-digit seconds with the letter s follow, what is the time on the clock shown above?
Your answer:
5h19
